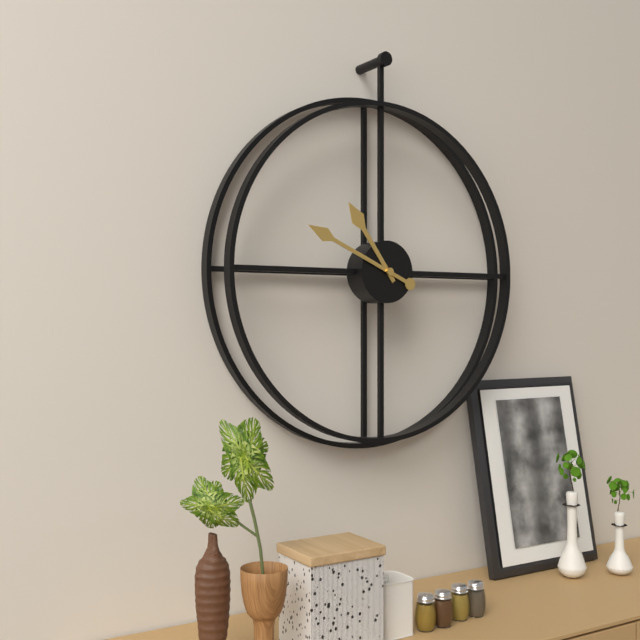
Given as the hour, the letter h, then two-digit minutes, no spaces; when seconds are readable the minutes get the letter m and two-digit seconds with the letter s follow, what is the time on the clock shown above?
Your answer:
10h49
